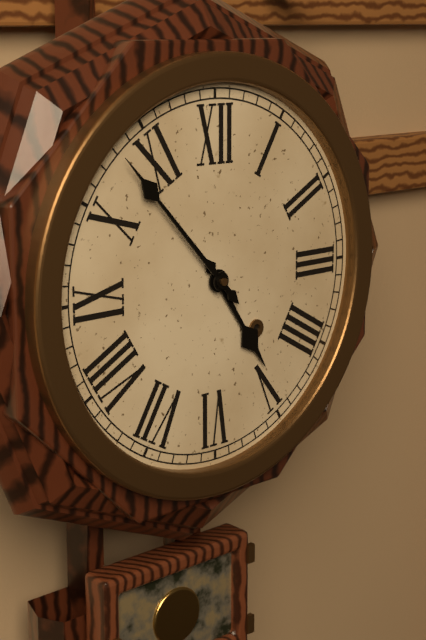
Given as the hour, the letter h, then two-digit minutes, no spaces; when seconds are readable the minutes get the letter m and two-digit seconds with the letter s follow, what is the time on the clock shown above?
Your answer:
4h53
